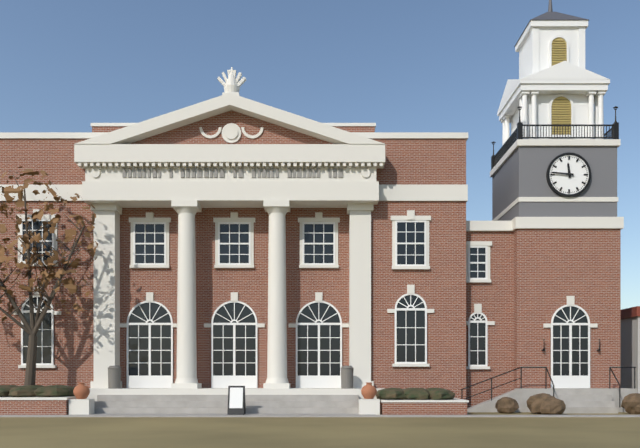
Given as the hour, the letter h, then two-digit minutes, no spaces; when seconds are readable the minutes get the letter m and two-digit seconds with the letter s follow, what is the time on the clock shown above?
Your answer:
11h46
